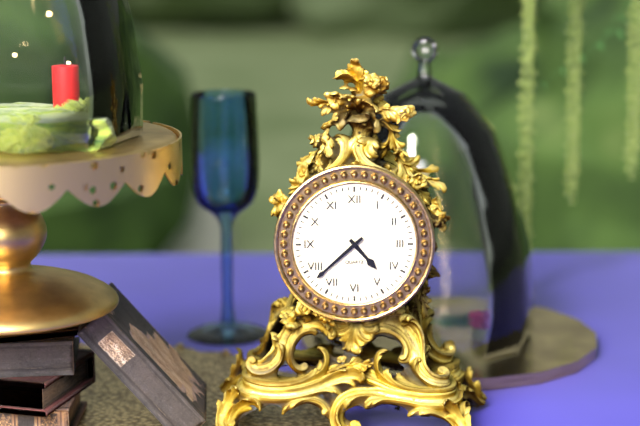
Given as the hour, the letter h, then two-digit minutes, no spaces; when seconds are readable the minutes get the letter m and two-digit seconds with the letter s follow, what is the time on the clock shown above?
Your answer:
4h38
